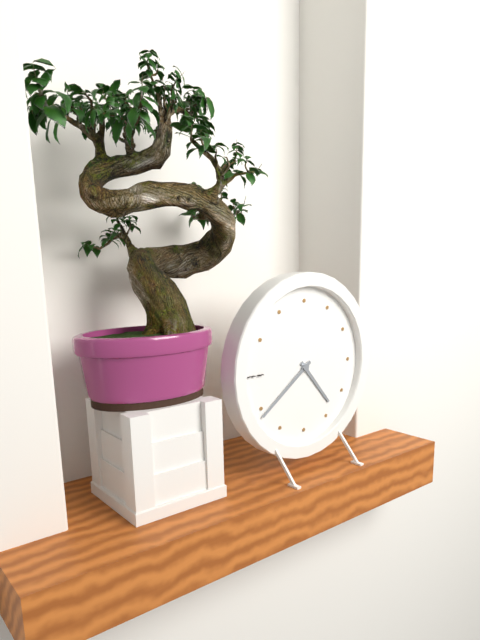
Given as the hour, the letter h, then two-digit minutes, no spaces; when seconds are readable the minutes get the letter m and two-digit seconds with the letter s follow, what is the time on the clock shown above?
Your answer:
4h39
